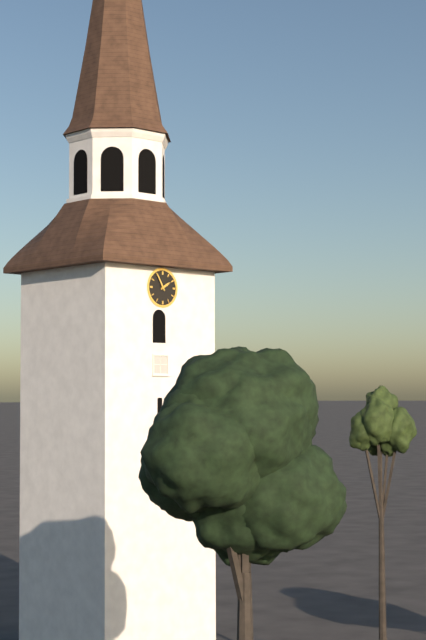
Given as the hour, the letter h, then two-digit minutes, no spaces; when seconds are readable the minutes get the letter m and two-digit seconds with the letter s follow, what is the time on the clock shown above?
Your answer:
1h55
